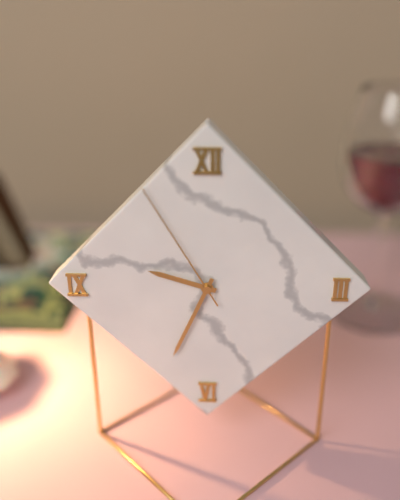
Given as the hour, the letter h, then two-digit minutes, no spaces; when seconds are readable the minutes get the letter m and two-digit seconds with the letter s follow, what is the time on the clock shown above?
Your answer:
9h34m55s
